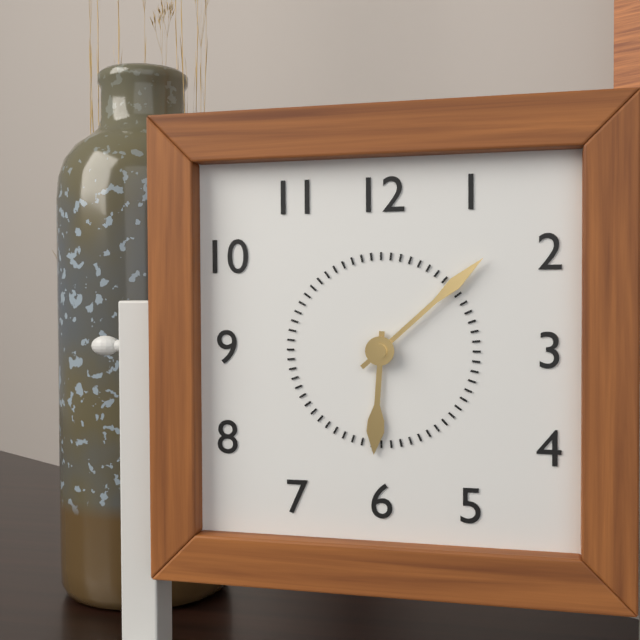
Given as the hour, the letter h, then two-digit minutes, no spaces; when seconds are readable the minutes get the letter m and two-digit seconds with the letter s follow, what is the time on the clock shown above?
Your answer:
6h08
